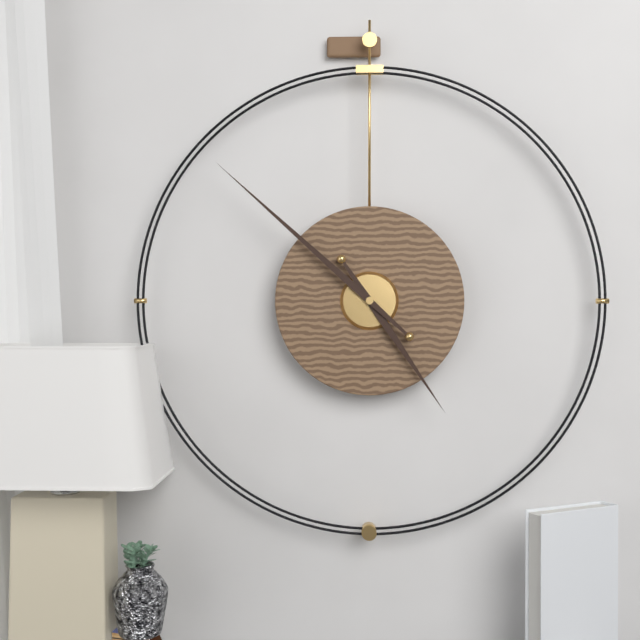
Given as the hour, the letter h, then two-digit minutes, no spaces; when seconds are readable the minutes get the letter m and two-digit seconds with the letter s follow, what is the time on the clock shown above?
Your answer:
4h52
